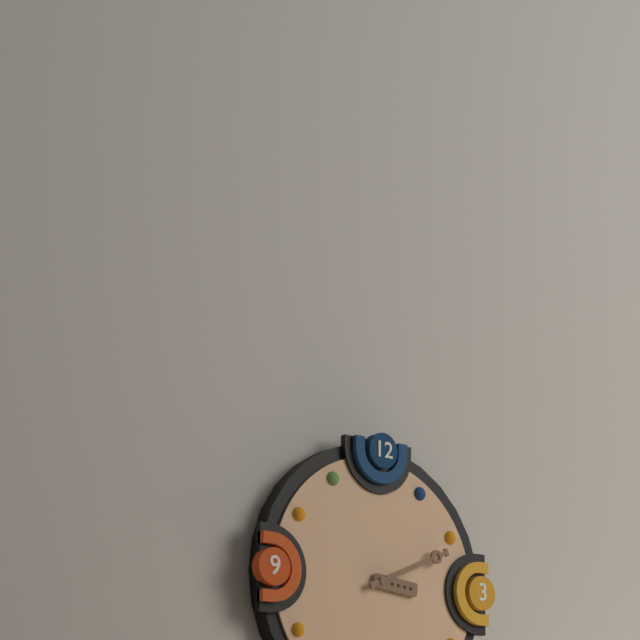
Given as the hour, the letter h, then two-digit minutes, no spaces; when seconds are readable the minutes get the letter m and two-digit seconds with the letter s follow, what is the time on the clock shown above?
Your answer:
3h11
